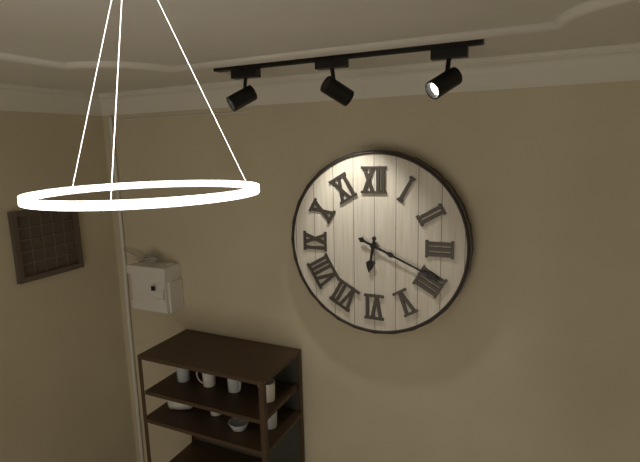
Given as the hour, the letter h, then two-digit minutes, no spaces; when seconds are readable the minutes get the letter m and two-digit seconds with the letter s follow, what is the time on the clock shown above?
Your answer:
6h19
